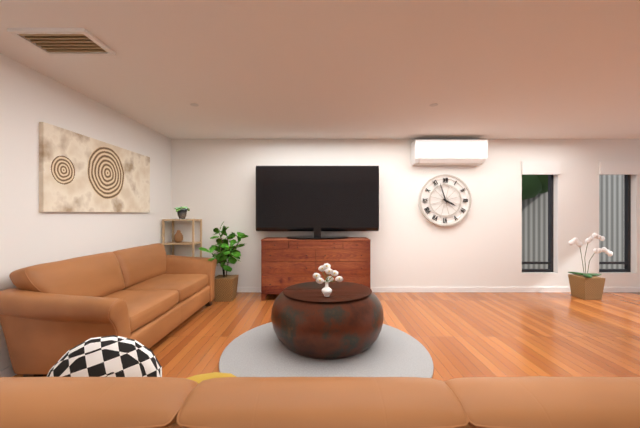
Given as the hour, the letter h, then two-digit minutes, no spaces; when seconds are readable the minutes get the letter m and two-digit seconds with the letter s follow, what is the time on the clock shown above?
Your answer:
3h57
